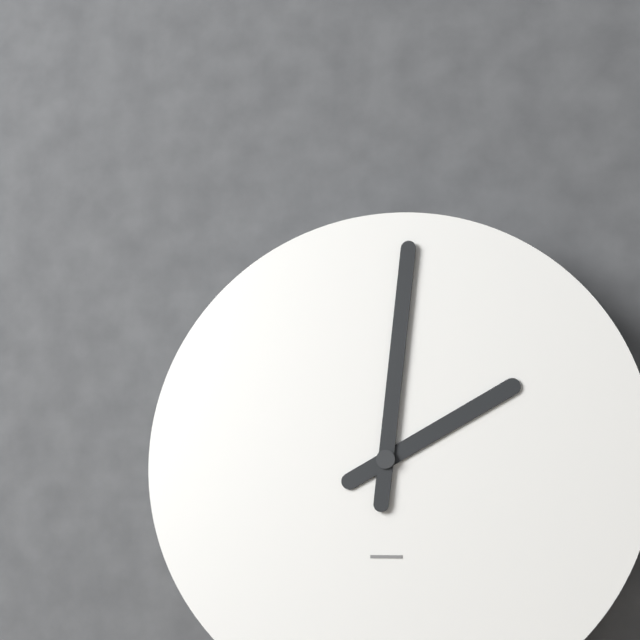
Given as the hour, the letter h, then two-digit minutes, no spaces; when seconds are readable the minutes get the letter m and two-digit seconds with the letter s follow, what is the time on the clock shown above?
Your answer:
2h01
